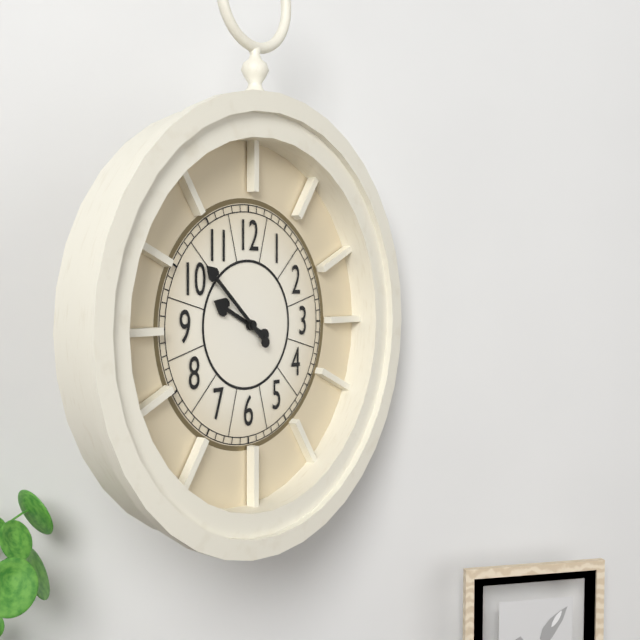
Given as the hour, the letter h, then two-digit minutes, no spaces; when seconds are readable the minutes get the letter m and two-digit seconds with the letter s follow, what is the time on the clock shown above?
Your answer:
9h52
